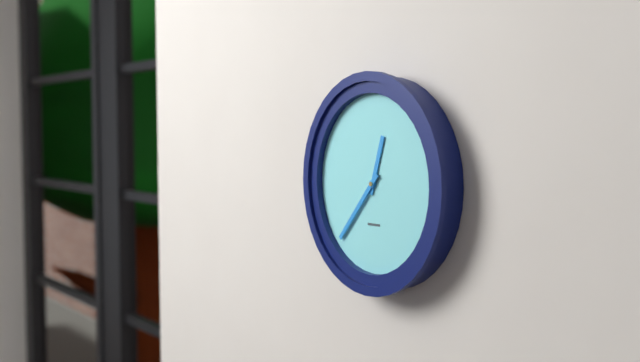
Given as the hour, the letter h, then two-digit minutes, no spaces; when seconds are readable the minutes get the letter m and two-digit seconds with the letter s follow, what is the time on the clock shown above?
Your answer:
12h37
